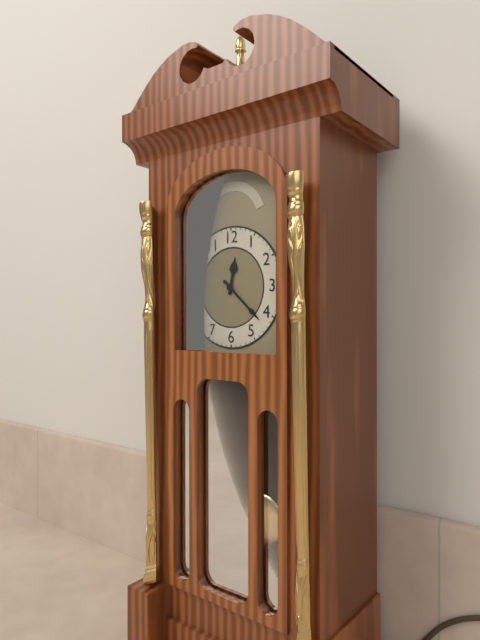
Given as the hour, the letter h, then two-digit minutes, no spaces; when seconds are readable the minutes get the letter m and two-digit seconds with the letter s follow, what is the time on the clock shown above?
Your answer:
12h22
